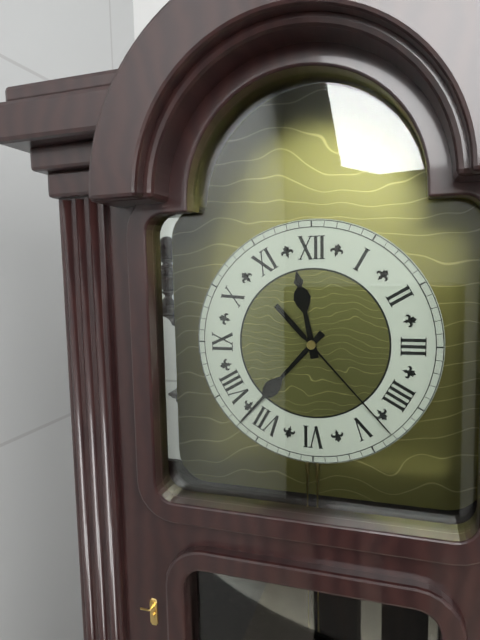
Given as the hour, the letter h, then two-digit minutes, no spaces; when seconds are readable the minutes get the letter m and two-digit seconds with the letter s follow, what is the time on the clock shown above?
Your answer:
11h37m23s
